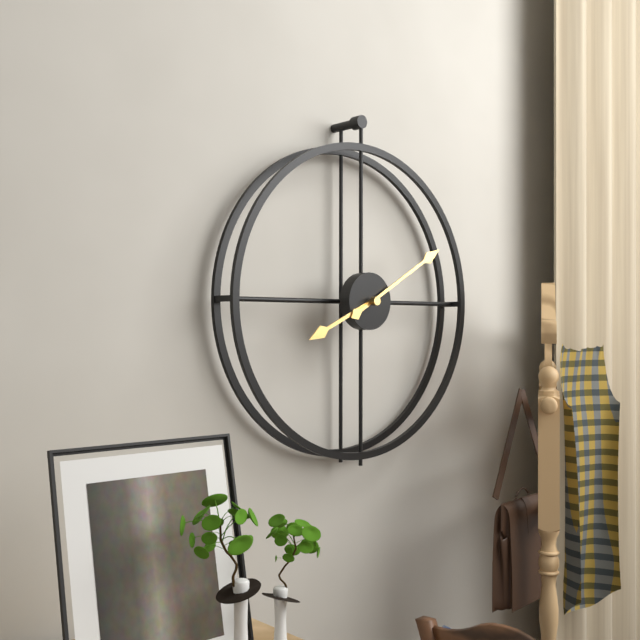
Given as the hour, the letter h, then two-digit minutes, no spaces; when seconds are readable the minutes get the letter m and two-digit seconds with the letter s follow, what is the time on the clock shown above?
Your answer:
8h10
